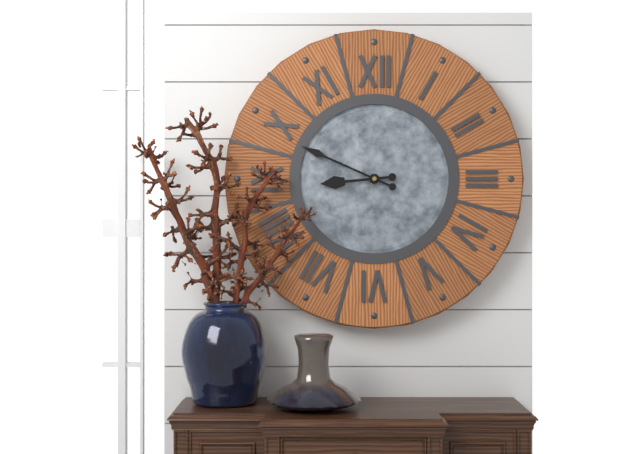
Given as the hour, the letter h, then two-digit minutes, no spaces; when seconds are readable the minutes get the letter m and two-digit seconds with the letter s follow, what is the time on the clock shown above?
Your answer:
8h49
